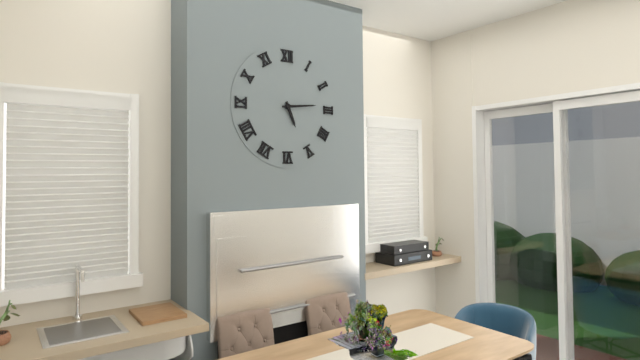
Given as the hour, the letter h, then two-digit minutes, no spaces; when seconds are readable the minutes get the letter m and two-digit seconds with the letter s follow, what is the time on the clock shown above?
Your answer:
5h14
